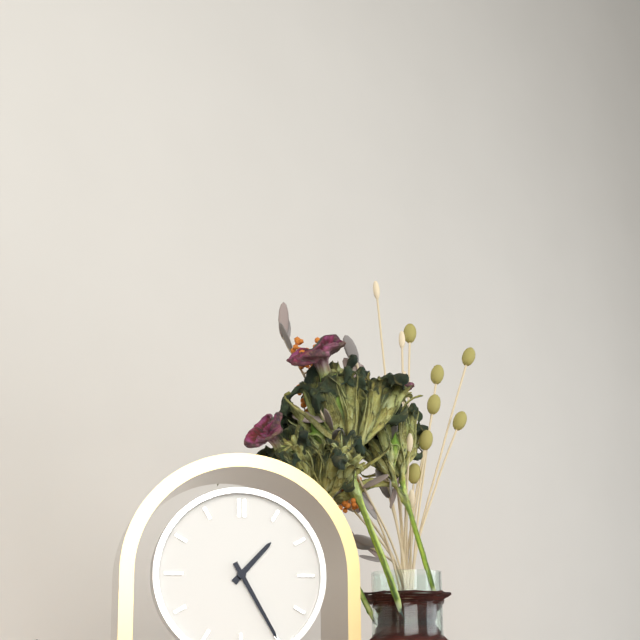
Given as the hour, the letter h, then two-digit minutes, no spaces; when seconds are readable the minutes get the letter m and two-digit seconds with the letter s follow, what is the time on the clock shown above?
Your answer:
1h25
